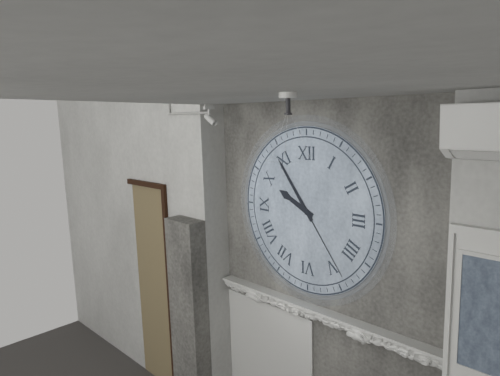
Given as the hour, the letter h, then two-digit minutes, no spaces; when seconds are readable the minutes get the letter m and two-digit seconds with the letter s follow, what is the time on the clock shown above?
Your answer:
9h54m24s
